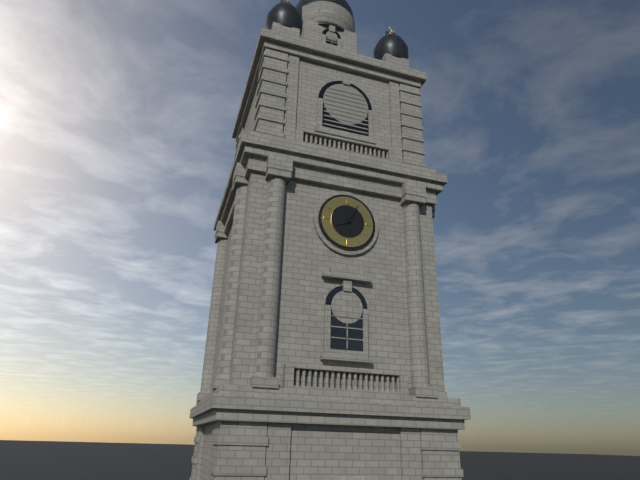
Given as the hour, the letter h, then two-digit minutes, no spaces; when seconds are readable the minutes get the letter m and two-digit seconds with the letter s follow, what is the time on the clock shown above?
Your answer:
8h05
